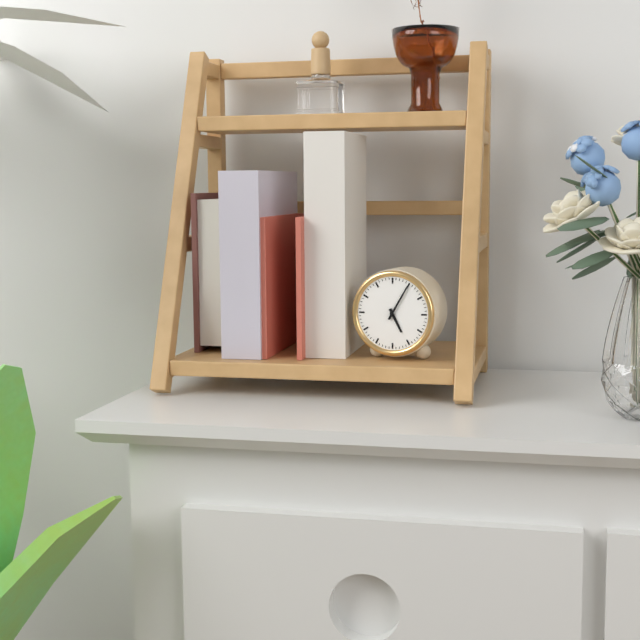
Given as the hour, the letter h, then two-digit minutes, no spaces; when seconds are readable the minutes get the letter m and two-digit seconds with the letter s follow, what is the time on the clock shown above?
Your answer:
5h05
